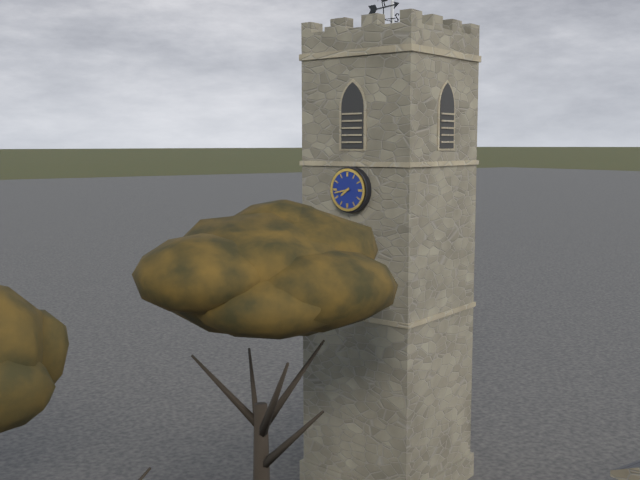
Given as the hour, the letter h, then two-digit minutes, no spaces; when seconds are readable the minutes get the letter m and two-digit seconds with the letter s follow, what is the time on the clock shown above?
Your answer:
7h43
